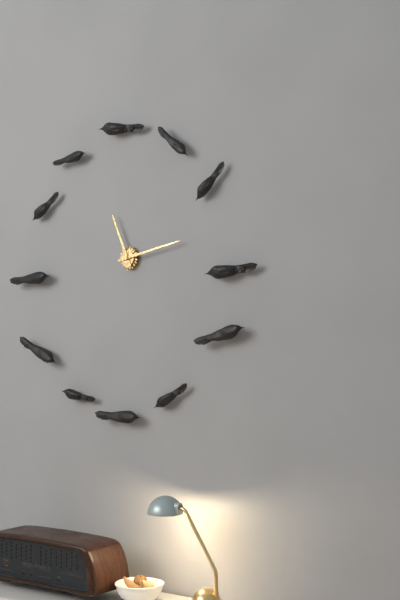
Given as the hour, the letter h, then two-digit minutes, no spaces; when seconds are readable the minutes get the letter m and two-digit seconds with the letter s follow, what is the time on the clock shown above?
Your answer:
11h13
